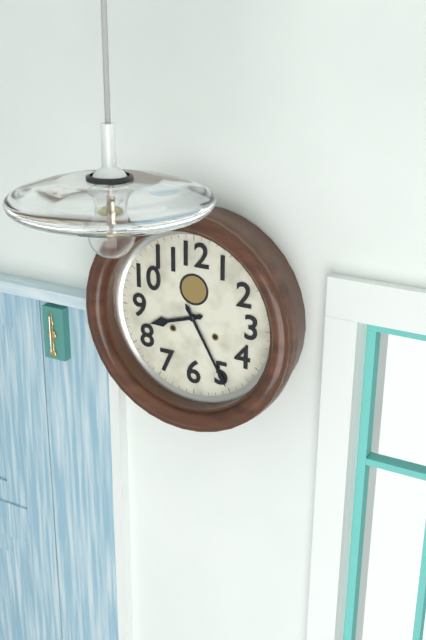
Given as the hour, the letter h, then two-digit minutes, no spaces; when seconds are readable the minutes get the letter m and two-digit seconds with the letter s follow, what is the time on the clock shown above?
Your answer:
8h25
